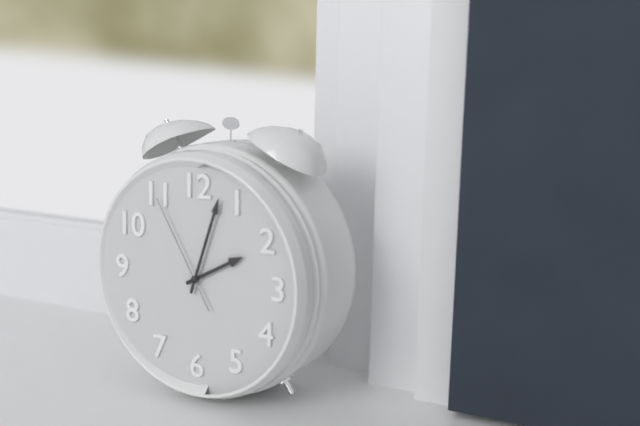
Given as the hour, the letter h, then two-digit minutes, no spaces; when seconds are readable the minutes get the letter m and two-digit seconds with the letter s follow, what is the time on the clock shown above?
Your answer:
2h03m55s
